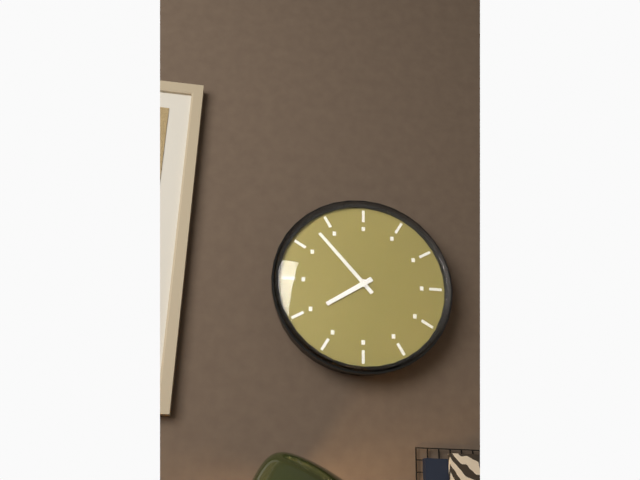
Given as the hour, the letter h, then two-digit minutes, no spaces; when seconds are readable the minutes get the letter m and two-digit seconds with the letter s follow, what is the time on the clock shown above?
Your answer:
7h53
